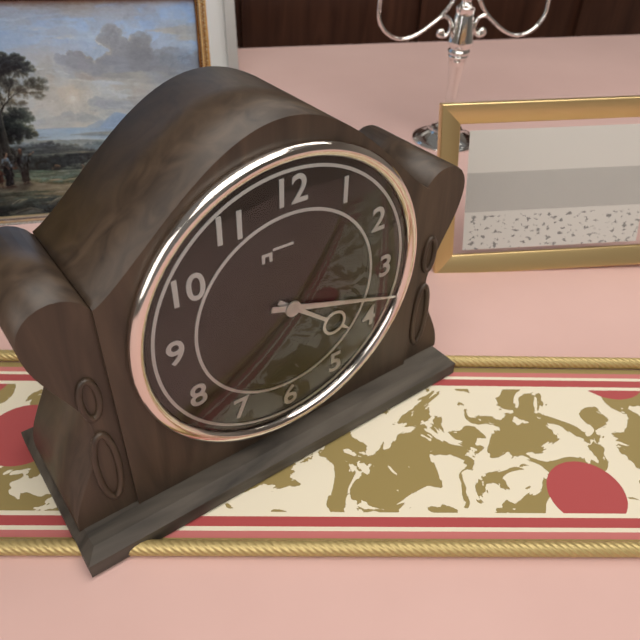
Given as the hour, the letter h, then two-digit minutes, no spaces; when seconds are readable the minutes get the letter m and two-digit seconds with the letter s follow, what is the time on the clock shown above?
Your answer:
4h18
